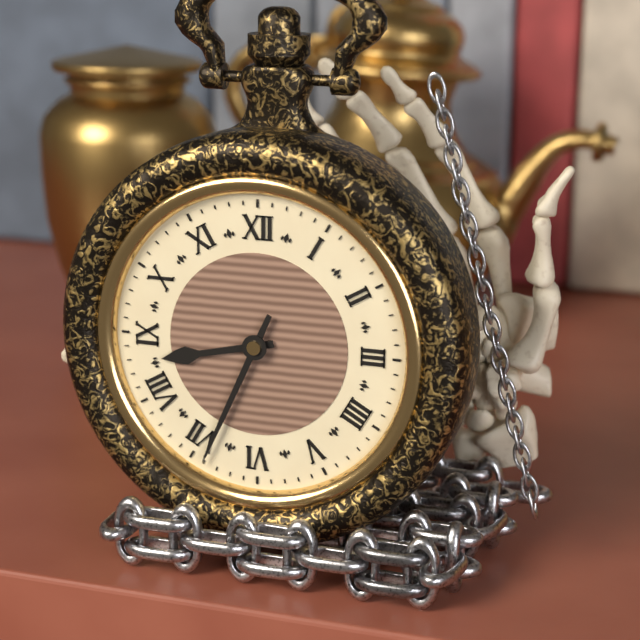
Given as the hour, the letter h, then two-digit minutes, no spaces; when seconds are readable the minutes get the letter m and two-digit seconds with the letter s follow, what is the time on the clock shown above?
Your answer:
8h34
